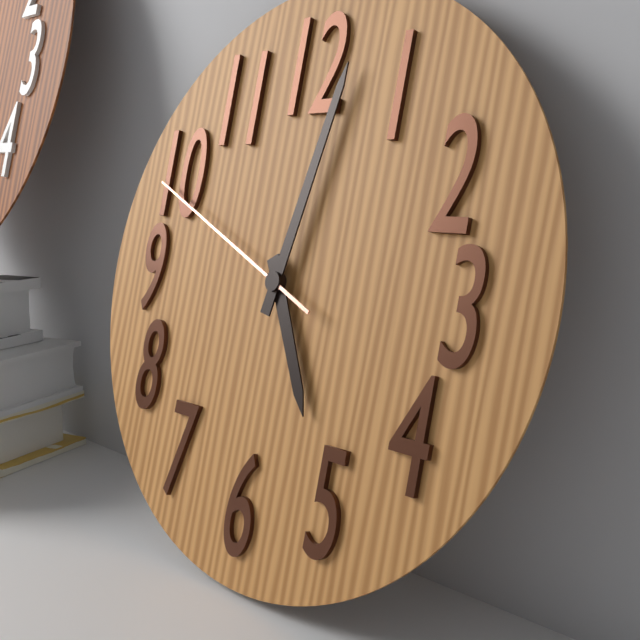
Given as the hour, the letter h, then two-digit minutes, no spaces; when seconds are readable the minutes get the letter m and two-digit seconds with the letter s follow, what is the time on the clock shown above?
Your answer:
5h02m49s
